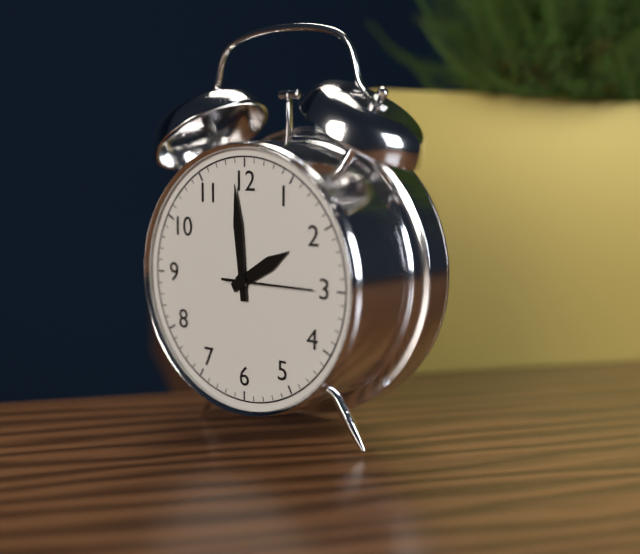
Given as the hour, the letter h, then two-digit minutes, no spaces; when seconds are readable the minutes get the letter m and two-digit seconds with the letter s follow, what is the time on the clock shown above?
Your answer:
1h59m15s
